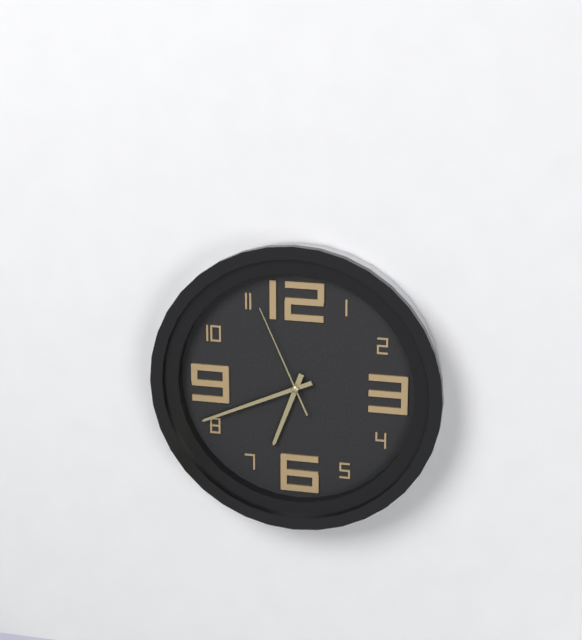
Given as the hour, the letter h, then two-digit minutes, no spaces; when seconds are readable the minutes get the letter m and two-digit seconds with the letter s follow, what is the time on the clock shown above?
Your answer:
6h41m56s
